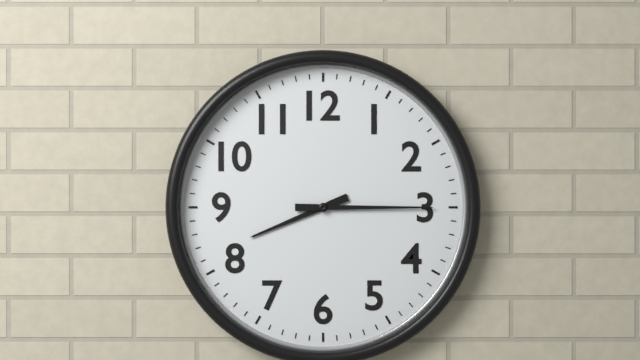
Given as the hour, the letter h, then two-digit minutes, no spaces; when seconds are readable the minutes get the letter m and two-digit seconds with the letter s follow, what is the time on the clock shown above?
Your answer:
8h15
